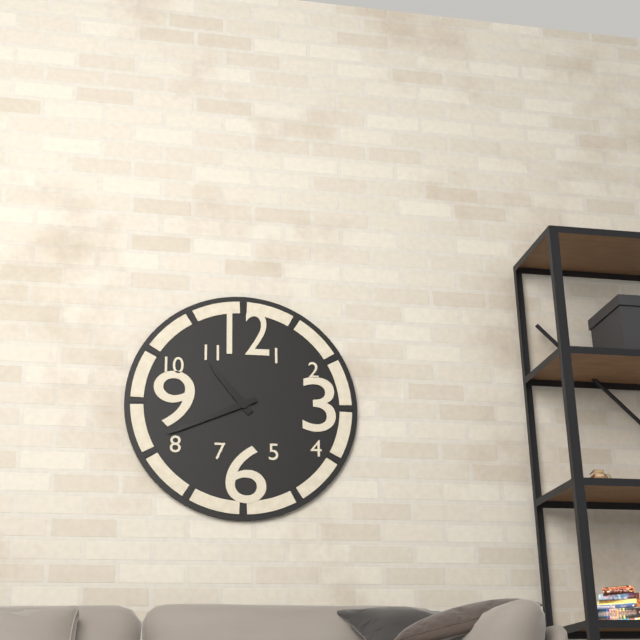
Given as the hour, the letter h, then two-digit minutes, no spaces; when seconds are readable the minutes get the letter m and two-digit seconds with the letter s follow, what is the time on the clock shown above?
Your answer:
10h41
